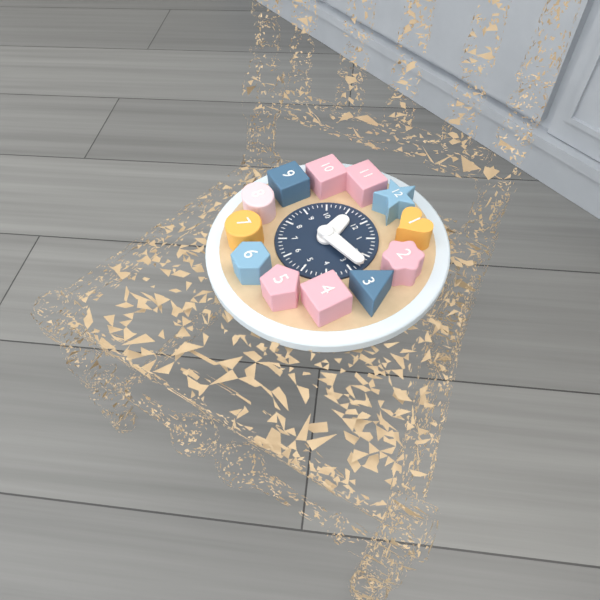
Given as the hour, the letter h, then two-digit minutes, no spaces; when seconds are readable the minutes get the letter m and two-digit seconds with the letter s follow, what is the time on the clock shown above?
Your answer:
11h13
